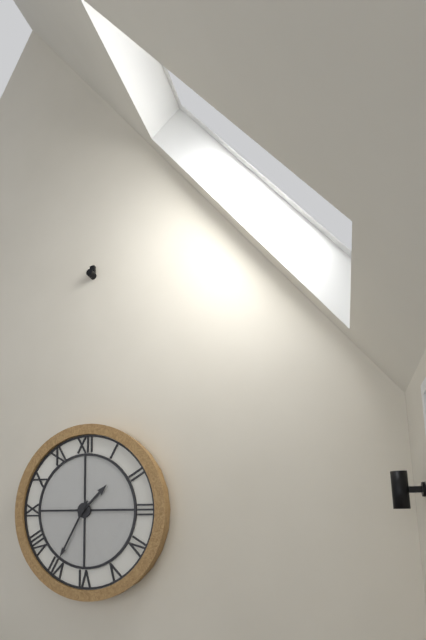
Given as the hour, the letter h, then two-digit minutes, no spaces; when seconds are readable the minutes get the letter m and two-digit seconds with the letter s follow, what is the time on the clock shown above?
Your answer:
1h35
